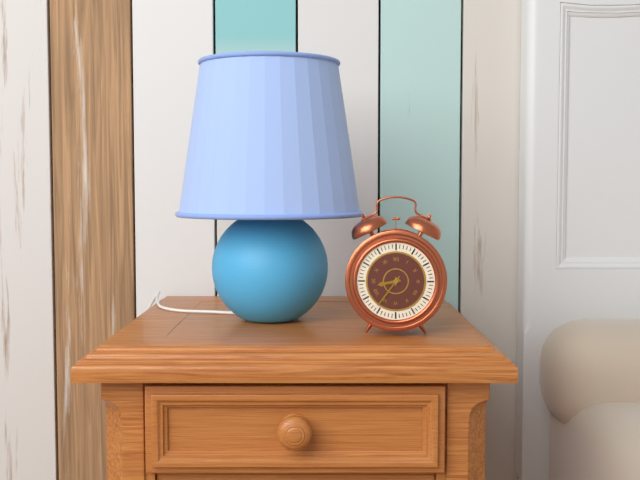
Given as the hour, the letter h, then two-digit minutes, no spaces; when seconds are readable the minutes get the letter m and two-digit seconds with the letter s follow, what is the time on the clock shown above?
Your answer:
8h36
